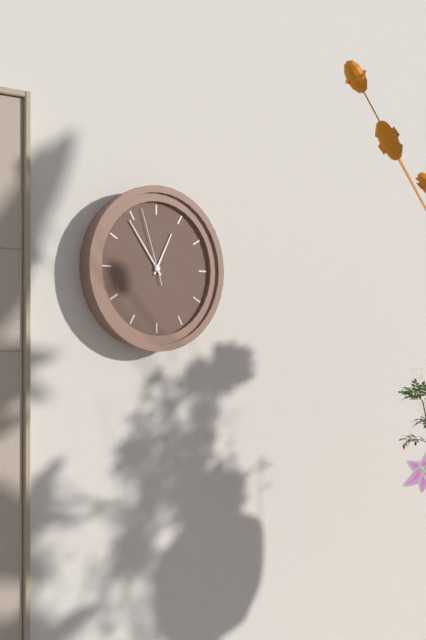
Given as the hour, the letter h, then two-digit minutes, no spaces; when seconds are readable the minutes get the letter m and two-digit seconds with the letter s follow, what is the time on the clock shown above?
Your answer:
12h54m57s
